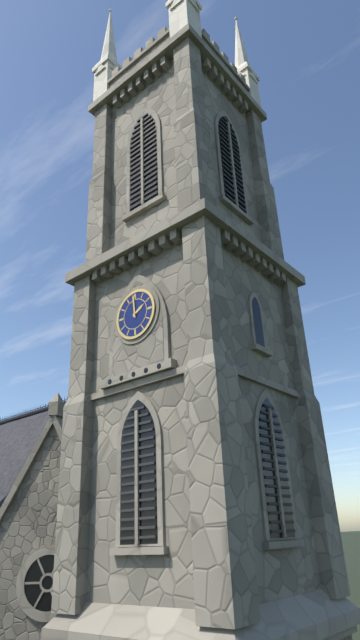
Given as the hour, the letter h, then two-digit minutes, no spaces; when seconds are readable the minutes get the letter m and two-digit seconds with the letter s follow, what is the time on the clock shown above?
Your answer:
1h59
